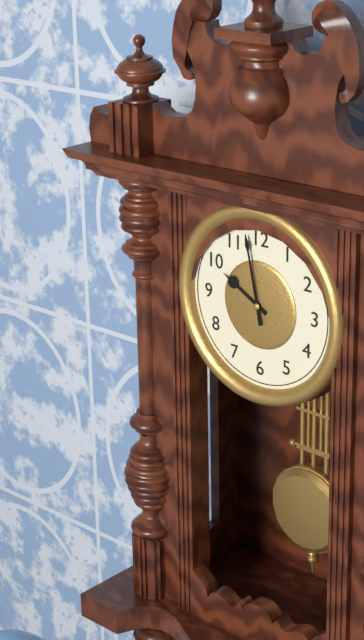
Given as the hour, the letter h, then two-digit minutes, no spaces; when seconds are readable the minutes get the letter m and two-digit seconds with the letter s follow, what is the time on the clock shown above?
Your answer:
9h58
